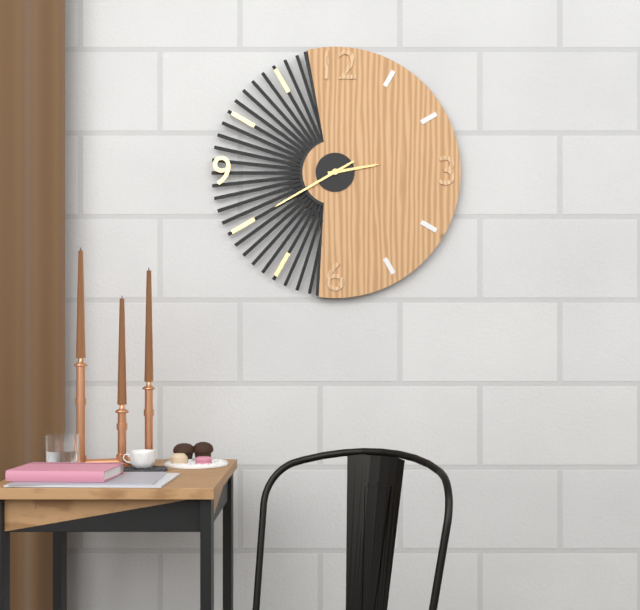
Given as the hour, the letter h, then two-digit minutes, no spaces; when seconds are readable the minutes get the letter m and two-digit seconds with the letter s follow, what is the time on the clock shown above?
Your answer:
2h40
